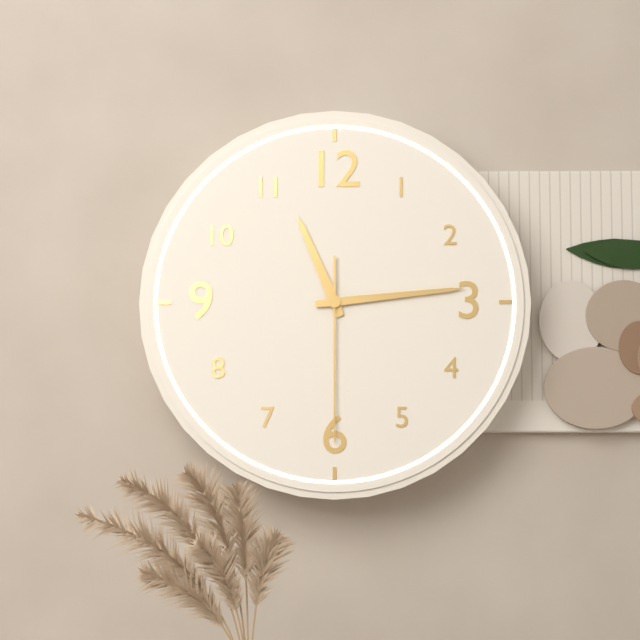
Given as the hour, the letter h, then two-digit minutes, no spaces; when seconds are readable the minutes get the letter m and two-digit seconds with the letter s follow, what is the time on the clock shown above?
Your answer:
11h14m30s
